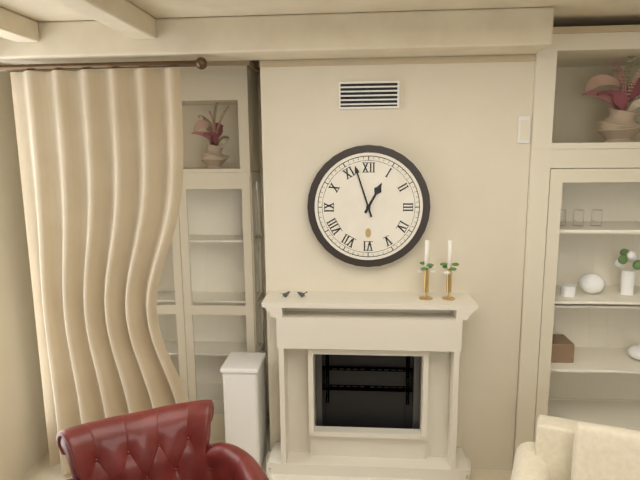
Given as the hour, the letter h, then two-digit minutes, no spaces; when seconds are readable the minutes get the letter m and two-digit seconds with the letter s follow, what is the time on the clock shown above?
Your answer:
12h57
